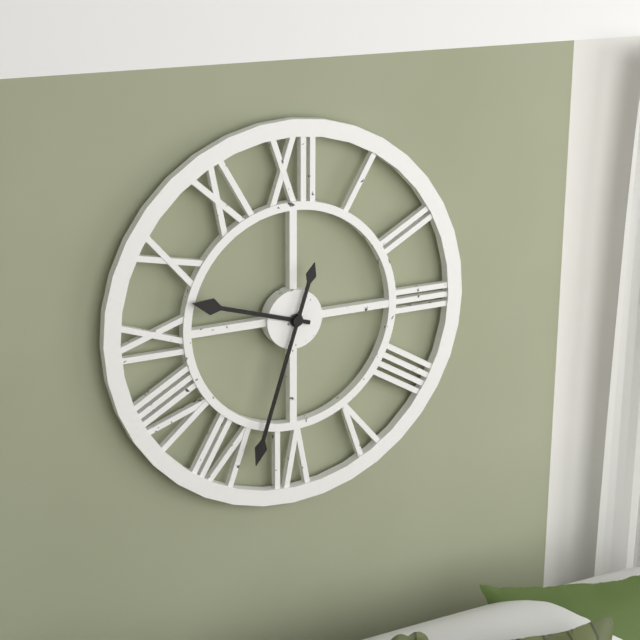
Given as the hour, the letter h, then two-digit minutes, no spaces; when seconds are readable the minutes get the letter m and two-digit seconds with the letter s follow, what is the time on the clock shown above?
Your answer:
9h33
